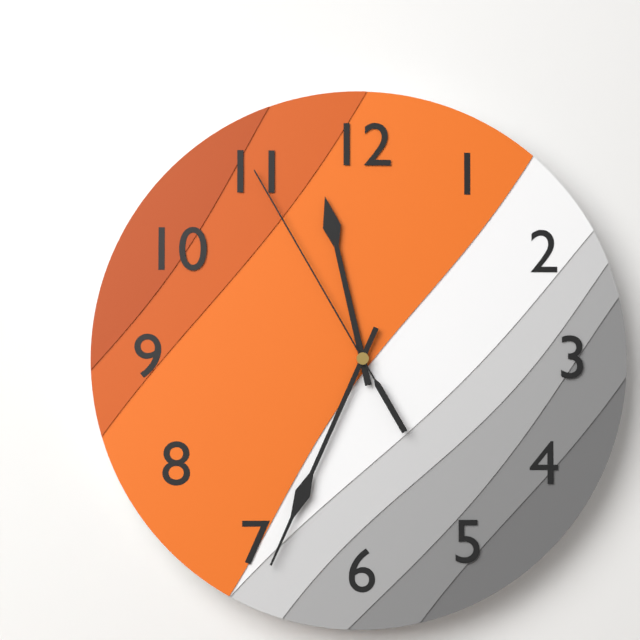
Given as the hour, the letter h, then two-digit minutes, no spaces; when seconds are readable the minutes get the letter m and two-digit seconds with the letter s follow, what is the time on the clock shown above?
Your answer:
11h34m55s
